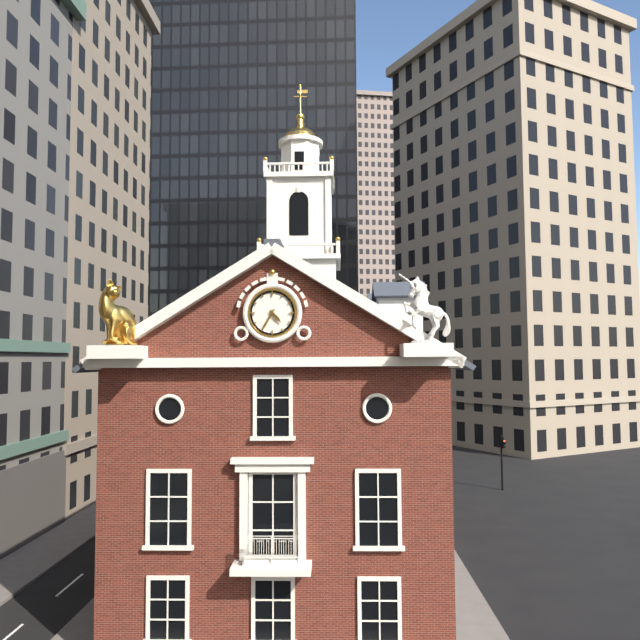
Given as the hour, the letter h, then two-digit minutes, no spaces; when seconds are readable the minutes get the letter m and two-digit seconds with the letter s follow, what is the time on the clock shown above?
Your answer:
4h35
